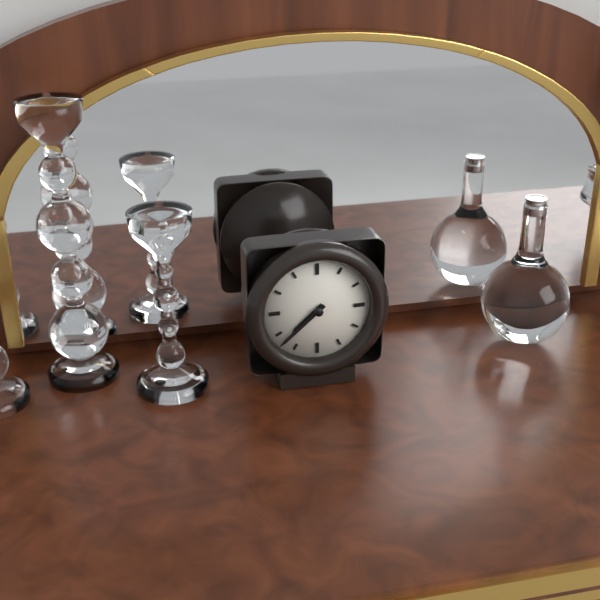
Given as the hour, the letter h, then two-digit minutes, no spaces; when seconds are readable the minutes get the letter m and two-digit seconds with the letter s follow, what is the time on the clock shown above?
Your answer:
7h38
